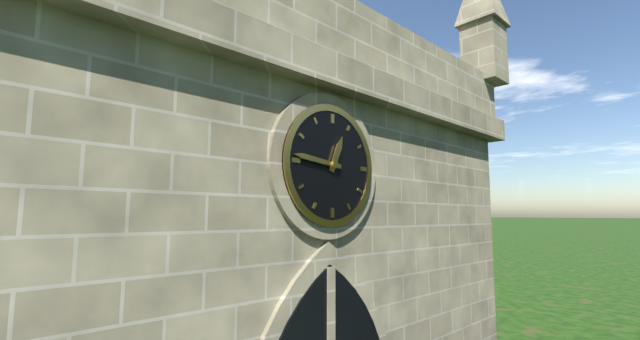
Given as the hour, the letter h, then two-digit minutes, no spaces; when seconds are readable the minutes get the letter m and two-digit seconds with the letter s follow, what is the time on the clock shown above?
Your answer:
12h46
